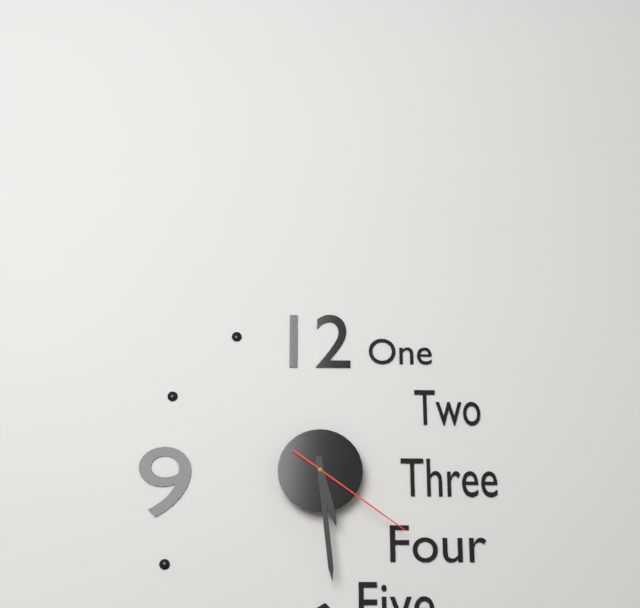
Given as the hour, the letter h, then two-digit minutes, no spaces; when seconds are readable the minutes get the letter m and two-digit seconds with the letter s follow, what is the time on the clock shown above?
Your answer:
5h29m21s
